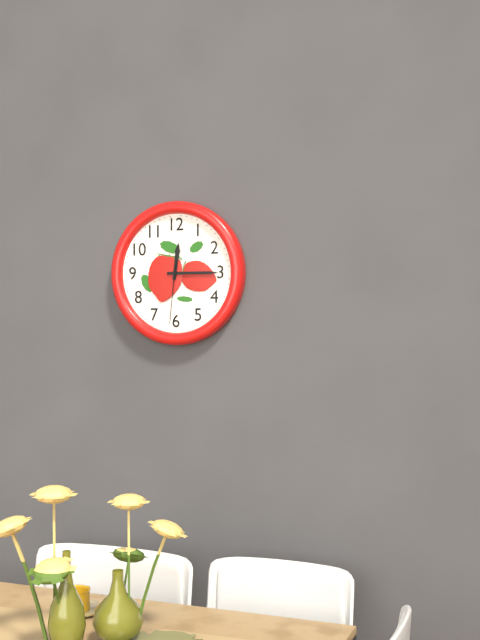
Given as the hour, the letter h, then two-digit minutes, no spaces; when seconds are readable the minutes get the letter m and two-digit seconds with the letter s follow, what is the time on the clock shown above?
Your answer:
12h15m31s
